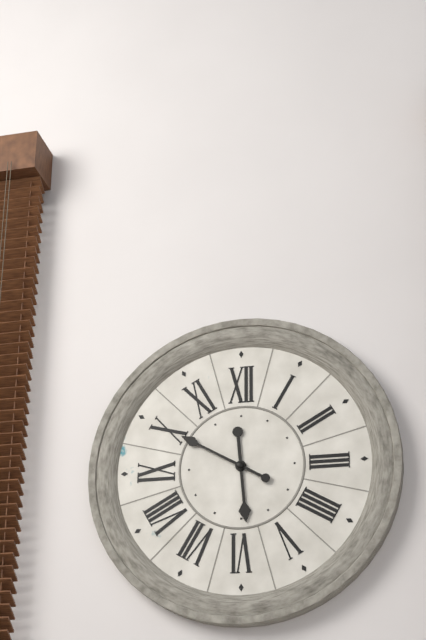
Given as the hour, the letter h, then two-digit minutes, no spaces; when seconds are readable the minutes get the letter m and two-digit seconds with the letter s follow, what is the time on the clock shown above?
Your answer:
5h50
